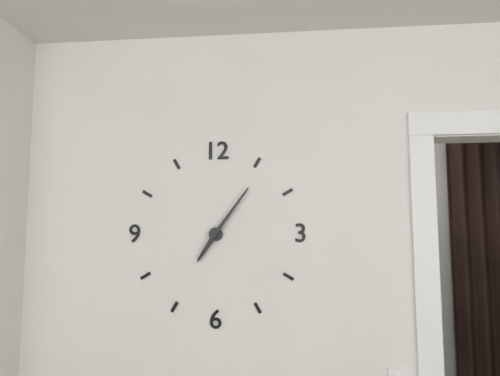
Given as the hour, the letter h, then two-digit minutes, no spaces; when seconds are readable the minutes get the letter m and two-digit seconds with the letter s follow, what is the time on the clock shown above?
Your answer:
7h06
